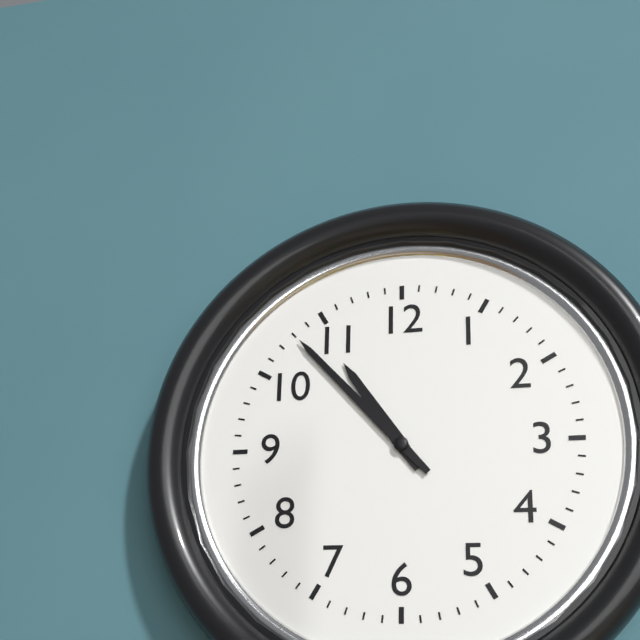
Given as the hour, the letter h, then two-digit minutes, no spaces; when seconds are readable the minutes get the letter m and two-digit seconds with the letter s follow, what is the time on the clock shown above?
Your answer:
10h53
